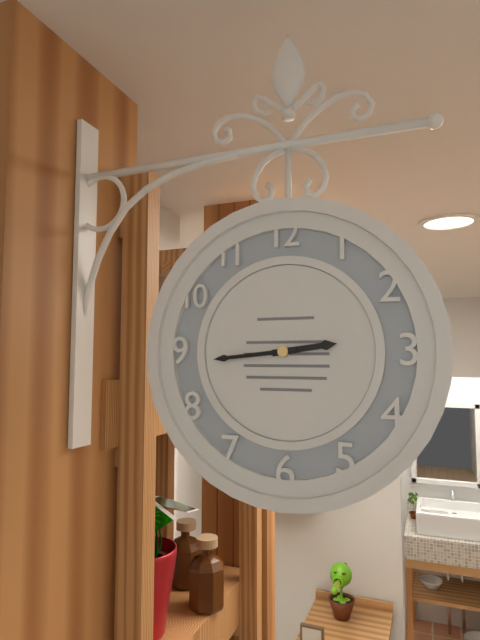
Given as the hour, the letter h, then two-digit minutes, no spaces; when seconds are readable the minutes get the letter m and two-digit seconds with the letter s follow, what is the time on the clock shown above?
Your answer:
2h44
